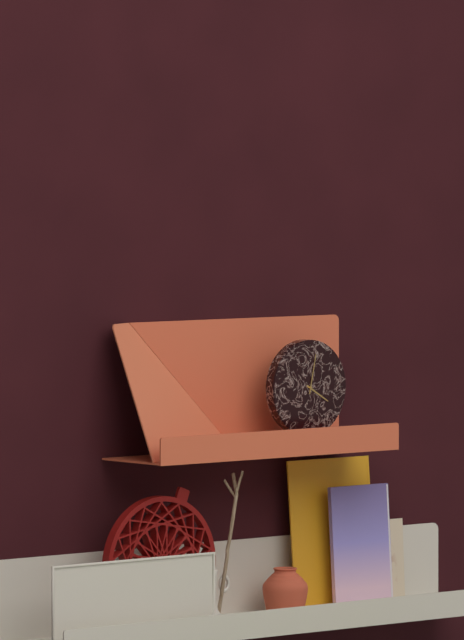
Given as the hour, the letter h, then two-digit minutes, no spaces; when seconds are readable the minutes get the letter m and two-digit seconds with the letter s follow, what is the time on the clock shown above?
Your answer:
4h02
